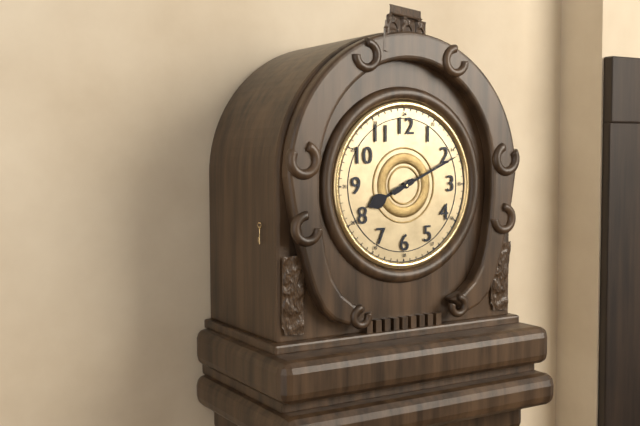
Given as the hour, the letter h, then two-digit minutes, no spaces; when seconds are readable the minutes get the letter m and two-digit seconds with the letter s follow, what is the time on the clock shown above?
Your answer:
8h11
